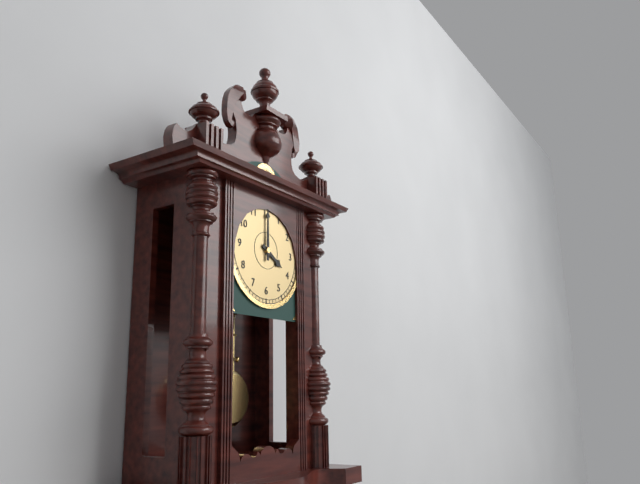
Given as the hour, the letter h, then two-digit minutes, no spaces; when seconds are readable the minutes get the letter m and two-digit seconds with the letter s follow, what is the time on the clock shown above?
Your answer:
4h00
